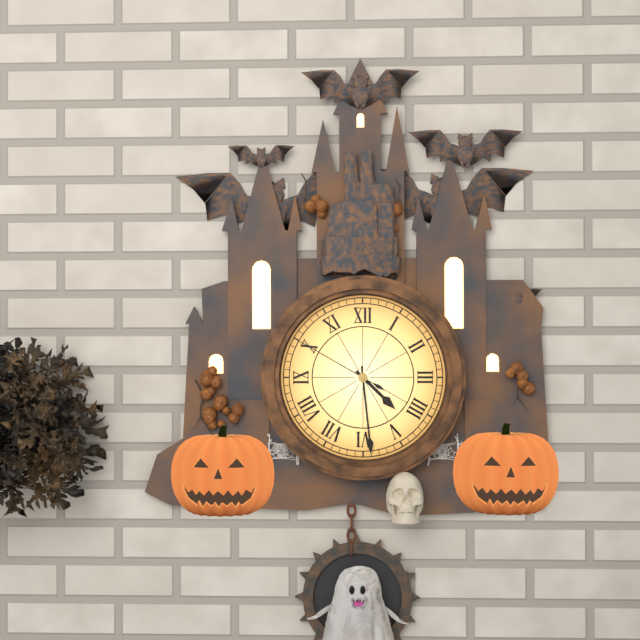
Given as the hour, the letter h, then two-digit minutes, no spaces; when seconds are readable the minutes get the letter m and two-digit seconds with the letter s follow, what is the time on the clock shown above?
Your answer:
4h29m50s
